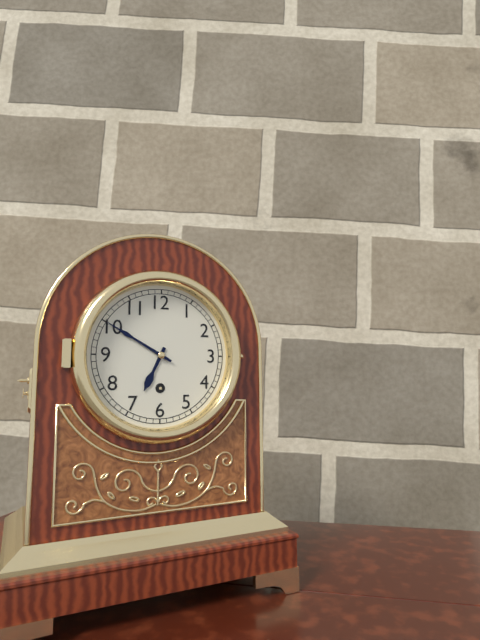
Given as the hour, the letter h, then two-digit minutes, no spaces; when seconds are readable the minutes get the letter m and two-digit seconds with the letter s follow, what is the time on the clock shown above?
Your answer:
6h50
